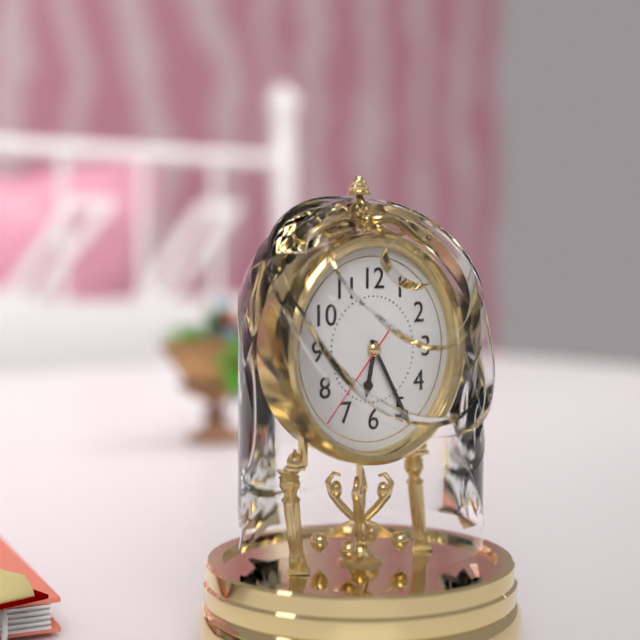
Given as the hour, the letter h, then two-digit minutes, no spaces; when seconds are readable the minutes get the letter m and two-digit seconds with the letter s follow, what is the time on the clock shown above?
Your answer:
6h25m37s
